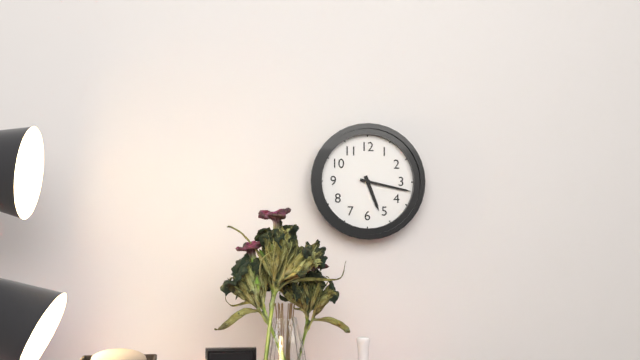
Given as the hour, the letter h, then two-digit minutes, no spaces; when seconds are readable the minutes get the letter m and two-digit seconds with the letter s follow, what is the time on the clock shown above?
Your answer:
5h17
